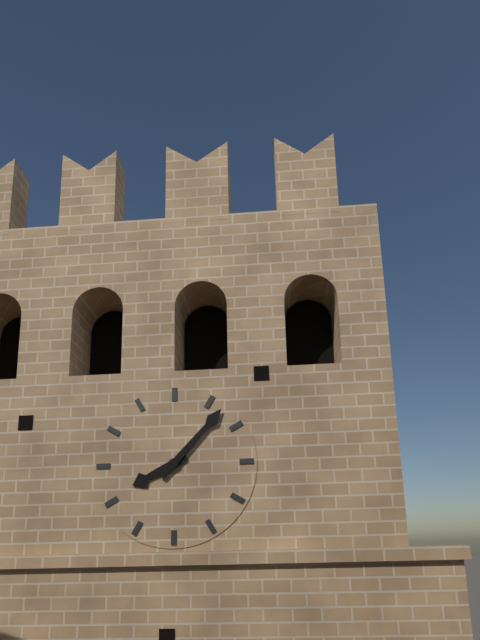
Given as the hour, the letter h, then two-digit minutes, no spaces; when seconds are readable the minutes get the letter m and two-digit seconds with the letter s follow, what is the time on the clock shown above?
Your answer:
8h07
